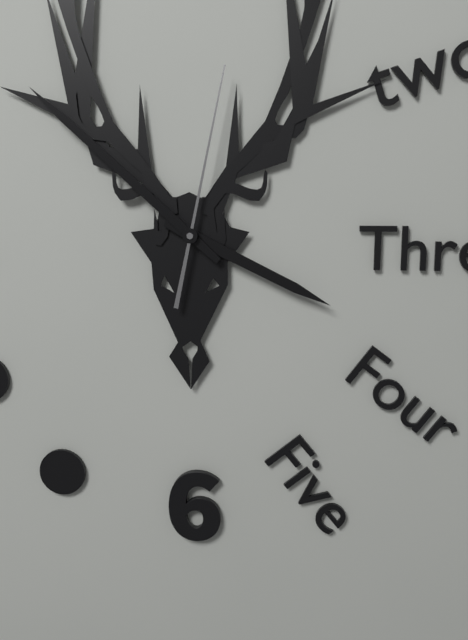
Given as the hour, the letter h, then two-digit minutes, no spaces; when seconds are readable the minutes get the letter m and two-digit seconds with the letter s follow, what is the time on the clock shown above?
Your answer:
3h52m02s
